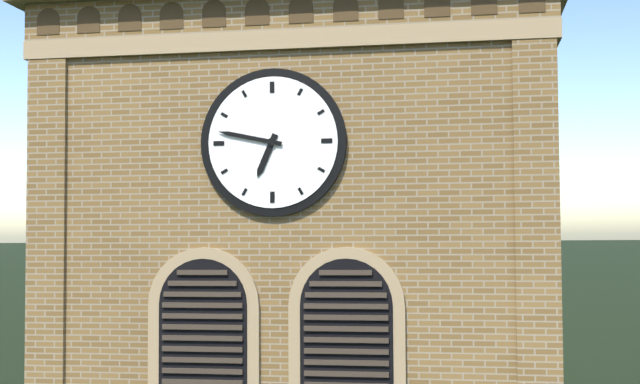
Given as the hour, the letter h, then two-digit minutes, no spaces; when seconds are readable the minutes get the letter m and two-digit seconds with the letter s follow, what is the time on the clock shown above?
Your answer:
6h47
